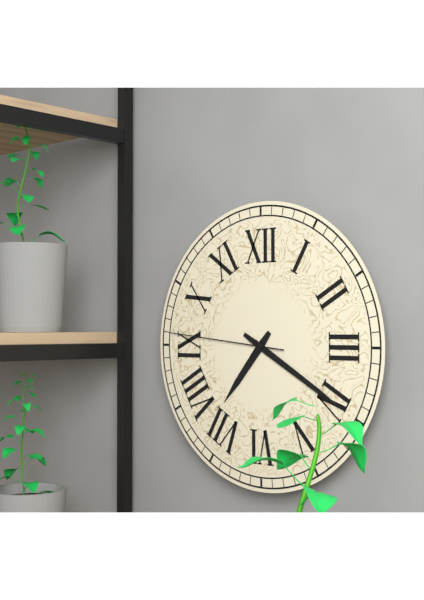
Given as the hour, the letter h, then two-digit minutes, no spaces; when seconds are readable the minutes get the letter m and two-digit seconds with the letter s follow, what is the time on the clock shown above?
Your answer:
7h20m46s
